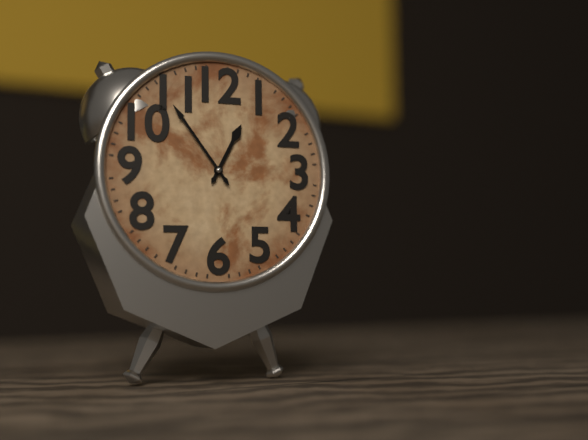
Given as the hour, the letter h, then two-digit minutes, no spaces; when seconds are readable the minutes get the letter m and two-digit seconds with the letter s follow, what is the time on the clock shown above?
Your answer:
12h54
